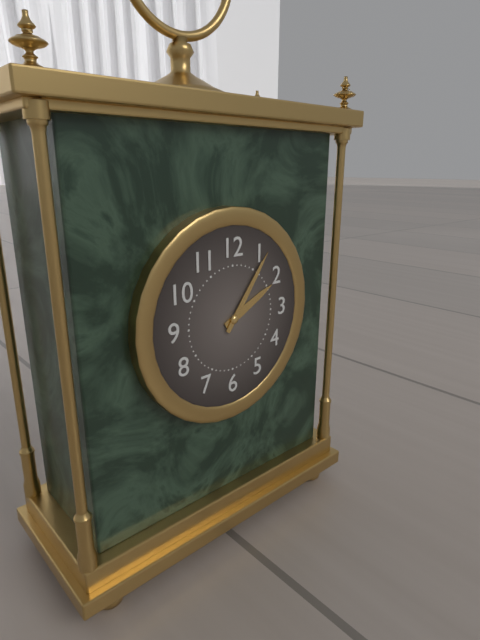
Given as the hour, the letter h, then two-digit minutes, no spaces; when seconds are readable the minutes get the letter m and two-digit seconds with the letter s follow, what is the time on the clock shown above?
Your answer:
2h06
